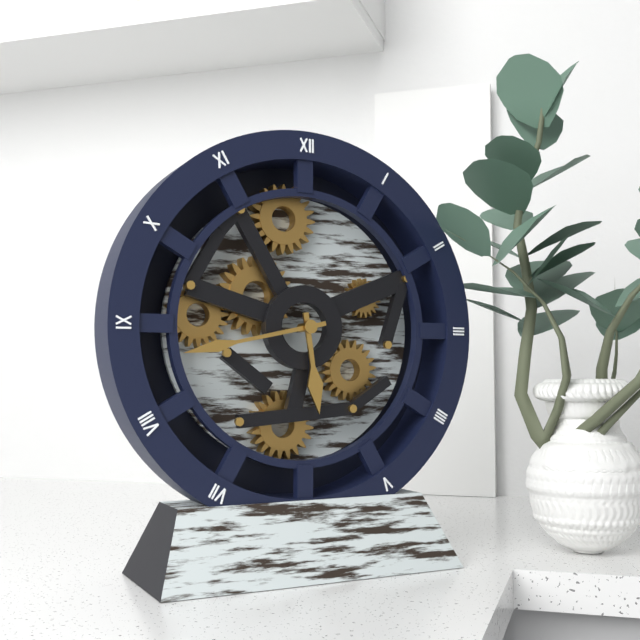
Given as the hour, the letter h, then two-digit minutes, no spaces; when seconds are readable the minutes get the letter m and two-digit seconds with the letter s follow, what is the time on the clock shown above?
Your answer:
5h43
